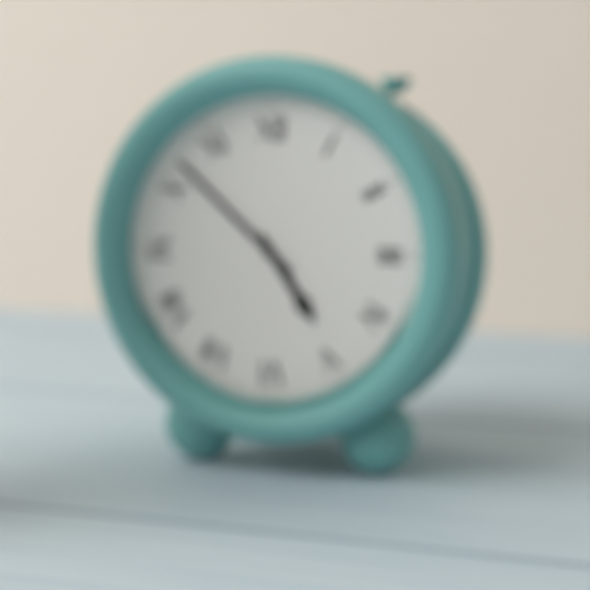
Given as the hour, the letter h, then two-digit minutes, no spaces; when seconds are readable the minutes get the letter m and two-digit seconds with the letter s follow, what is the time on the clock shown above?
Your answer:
4h52
